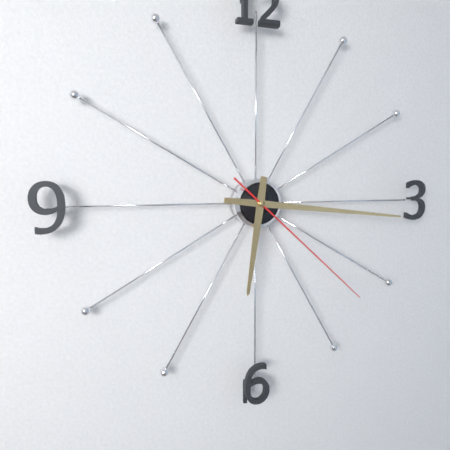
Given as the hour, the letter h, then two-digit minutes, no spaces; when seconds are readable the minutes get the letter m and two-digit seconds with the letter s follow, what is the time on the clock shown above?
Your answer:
6h16m22s
